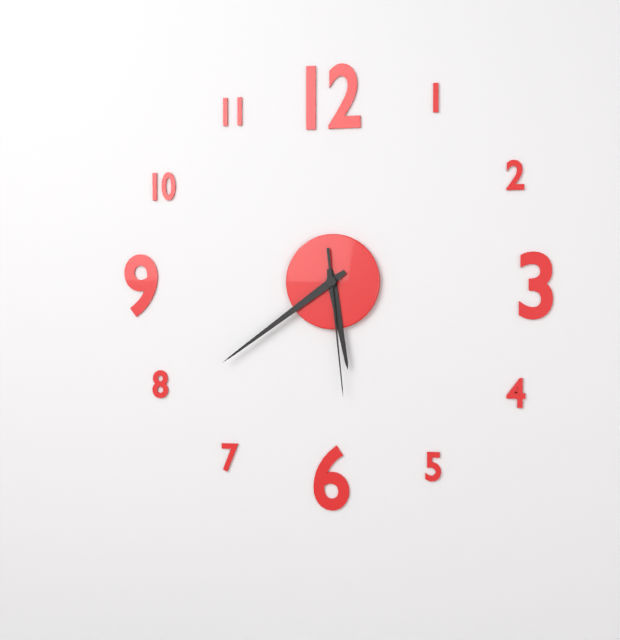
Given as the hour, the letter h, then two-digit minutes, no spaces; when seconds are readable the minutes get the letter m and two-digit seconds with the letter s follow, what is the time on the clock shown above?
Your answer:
5h39m29s
